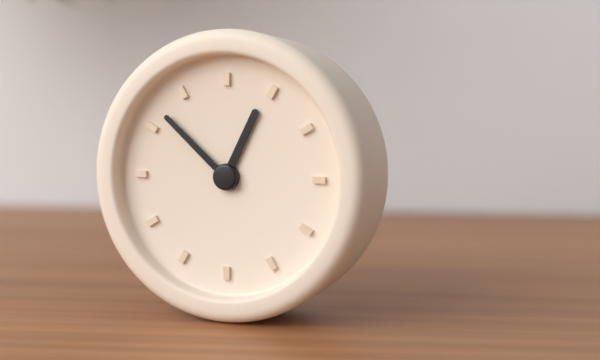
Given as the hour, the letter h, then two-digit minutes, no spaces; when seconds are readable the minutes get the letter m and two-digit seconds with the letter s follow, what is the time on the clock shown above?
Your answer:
12h52
